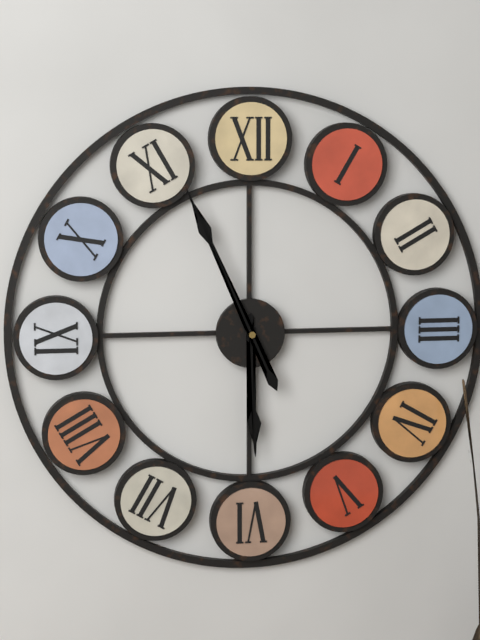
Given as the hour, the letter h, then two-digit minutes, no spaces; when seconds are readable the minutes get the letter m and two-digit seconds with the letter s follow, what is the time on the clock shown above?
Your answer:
5h56
